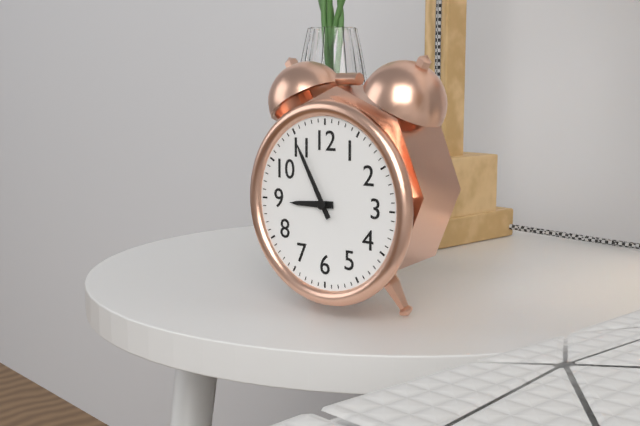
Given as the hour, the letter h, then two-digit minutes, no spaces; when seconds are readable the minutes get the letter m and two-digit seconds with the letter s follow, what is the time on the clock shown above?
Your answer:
8h55
